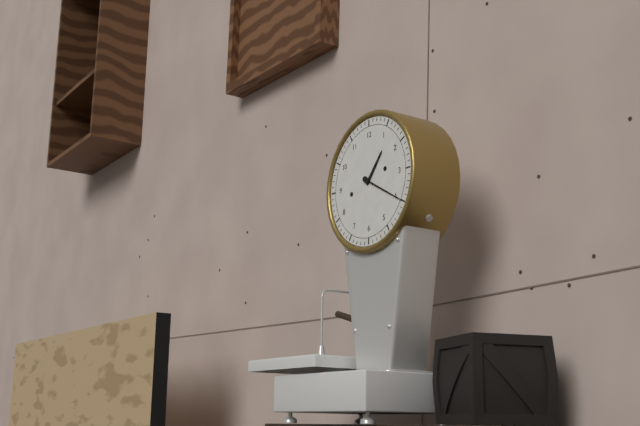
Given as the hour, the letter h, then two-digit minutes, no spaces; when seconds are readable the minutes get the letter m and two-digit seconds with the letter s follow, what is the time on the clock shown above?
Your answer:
1h20
